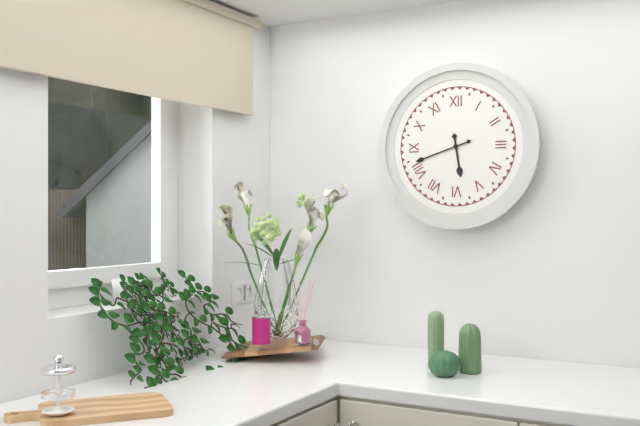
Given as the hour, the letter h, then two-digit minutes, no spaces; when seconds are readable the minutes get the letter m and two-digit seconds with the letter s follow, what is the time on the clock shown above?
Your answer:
5h42
